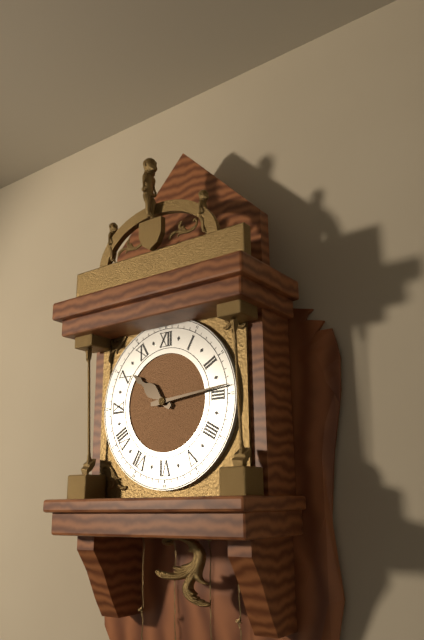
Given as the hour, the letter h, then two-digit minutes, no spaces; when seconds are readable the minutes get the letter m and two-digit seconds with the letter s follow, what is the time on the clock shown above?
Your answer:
10h14
